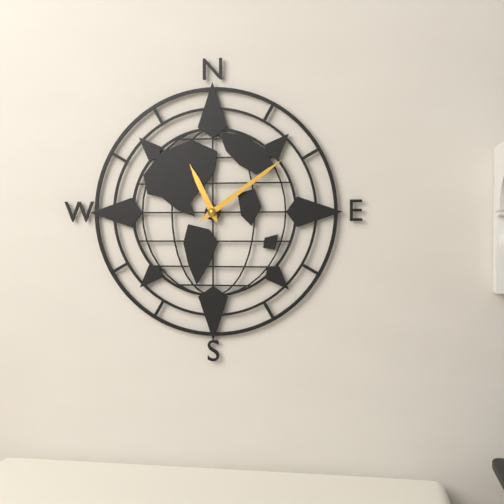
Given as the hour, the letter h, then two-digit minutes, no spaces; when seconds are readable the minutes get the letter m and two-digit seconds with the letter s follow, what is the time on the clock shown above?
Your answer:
11h09
